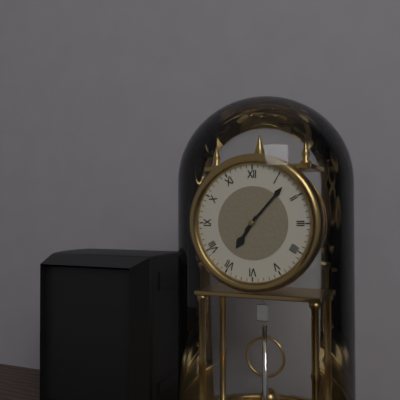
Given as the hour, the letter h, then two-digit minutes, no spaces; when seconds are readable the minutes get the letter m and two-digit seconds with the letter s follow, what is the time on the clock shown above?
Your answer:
7h07
